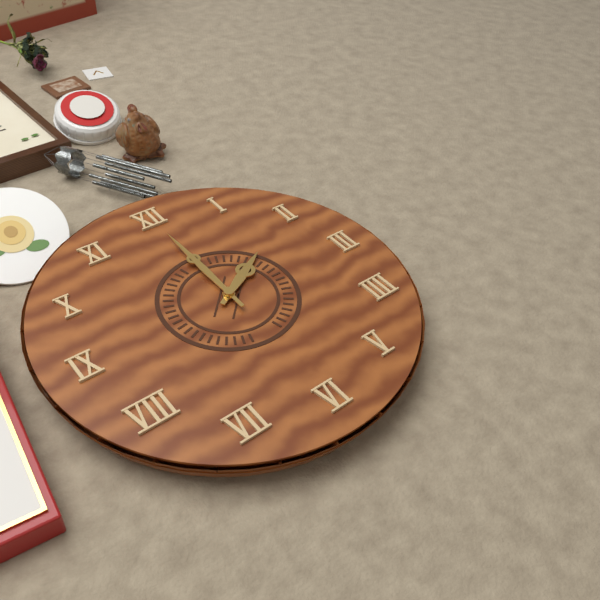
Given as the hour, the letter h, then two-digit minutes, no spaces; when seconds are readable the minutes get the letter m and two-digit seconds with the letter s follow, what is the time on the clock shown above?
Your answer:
2h00
